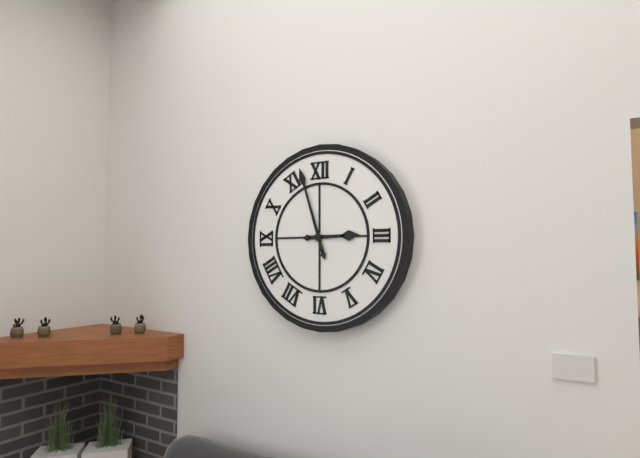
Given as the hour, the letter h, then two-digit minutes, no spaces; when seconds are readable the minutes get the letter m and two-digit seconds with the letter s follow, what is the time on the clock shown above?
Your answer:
2h57
